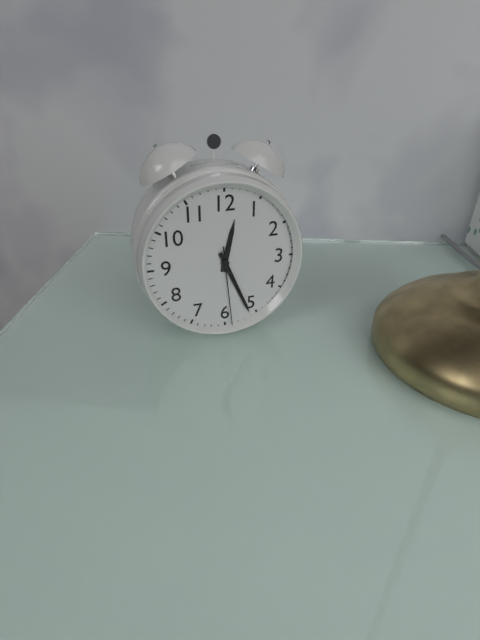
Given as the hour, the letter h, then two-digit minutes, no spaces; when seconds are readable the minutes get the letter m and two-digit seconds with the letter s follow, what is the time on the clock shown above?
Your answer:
12h26m29s
